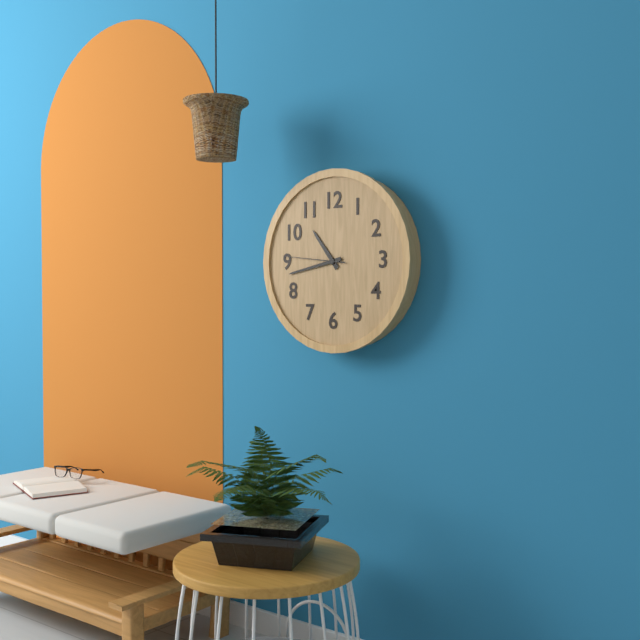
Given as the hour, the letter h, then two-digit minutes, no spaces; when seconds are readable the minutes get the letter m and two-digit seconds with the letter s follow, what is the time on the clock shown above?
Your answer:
10h43m46s
